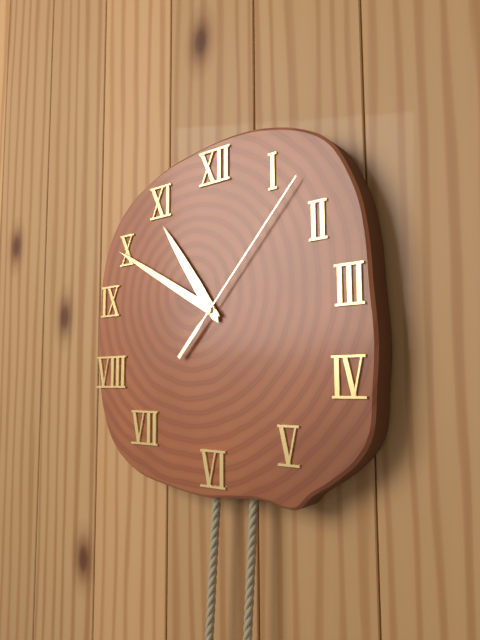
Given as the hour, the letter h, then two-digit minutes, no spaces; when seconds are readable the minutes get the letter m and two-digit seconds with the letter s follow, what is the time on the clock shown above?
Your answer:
10h50m07s
